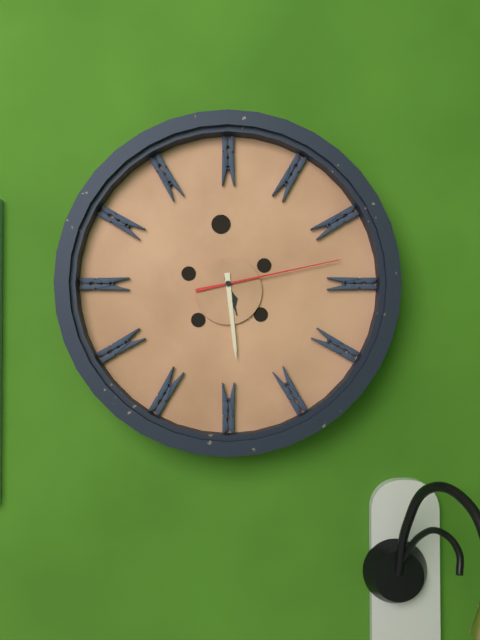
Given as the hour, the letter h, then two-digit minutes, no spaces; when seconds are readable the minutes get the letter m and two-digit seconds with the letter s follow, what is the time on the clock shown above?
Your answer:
5h29m13s
